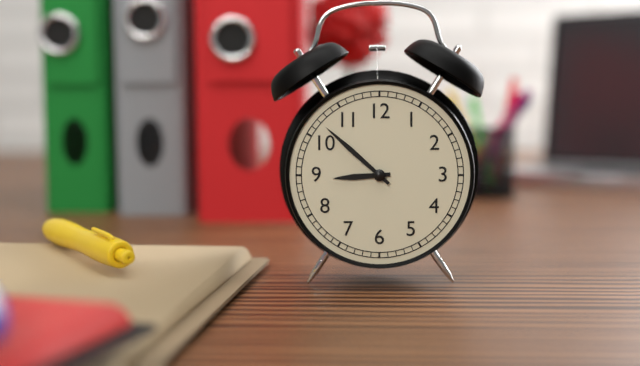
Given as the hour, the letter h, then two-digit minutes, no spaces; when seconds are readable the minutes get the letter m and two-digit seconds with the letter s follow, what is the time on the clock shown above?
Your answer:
8h52
